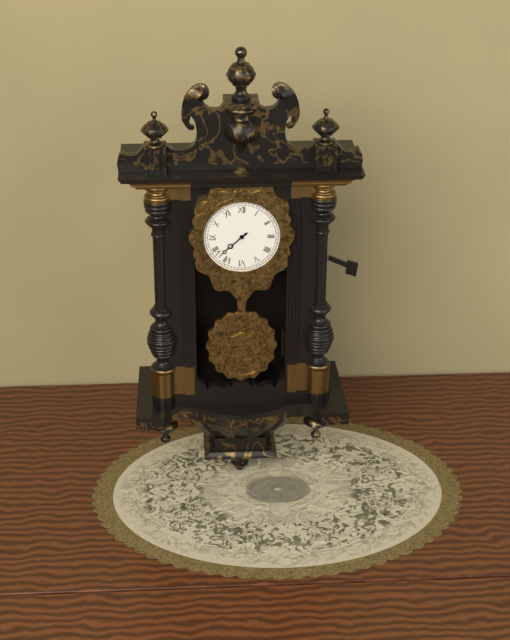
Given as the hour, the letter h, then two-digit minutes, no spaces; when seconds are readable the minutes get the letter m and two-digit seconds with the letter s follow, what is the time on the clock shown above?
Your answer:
7h38
